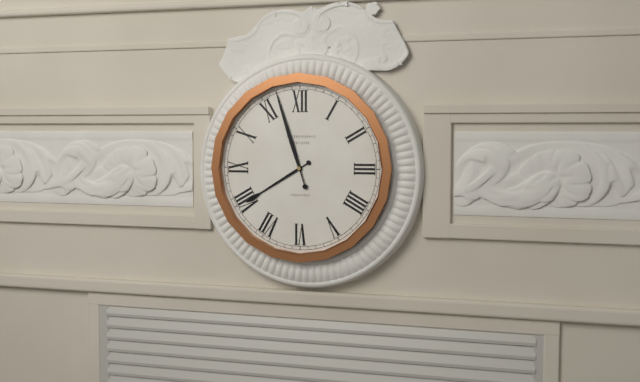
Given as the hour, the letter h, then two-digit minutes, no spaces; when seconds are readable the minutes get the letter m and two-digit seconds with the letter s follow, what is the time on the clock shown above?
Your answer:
7h57
